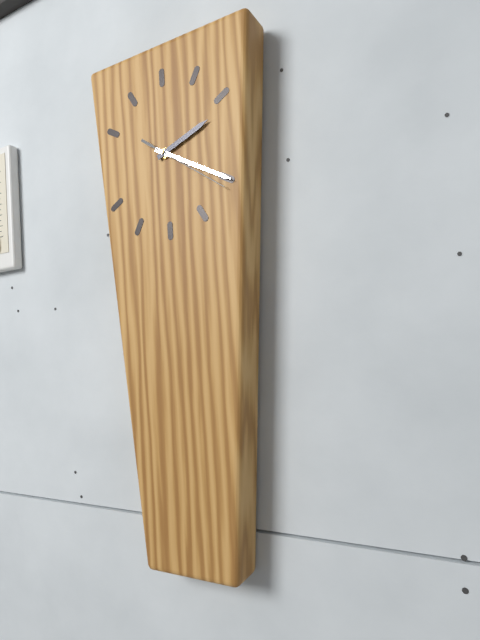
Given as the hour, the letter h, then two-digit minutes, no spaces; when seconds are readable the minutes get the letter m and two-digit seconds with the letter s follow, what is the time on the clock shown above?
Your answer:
2h20m21s
